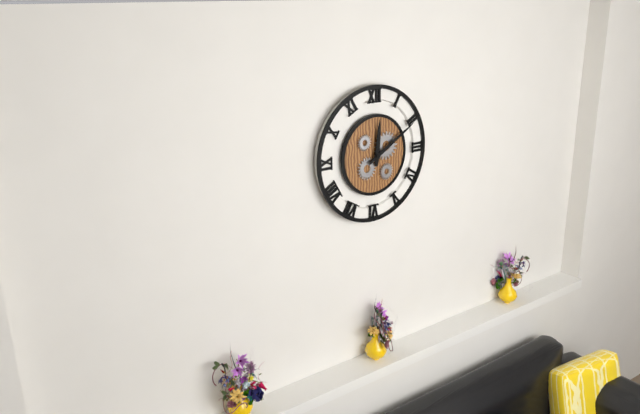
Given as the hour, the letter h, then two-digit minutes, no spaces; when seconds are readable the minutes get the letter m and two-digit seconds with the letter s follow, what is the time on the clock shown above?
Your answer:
12h10
